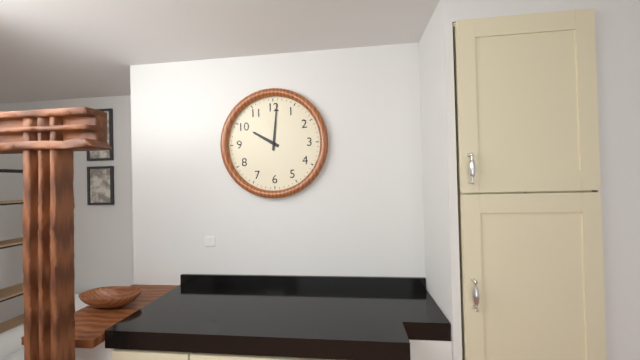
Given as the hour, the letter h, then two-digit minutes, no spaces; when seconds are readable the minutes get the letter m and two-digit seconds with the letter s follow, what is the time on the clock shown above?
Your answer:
10h01
